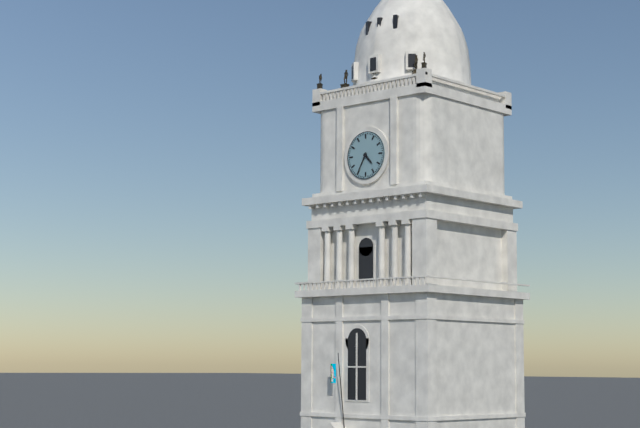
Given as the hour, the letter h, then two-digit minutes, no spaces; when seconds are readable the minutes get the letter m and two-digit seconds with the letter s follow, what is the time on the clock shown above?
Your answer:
4h35
